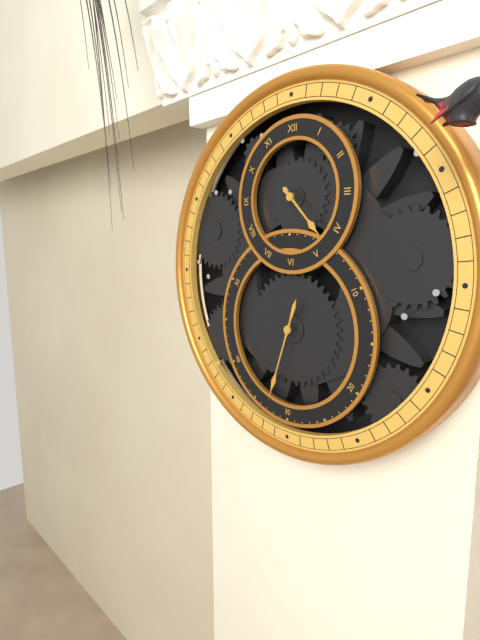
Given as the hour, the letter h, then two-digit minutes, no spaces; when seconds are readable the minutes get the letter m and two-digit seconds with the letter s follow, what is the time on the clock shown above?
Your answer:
4h33
